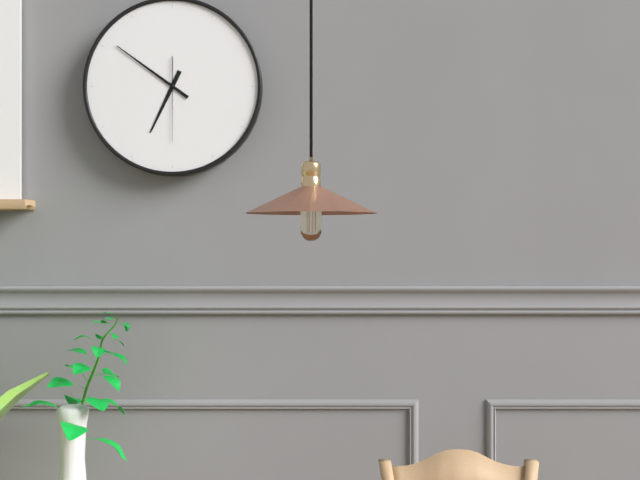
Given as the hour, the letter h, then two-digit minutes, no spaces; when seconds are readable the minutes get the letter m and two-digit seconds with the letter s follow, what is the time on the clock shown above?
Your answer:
6h51m30s
